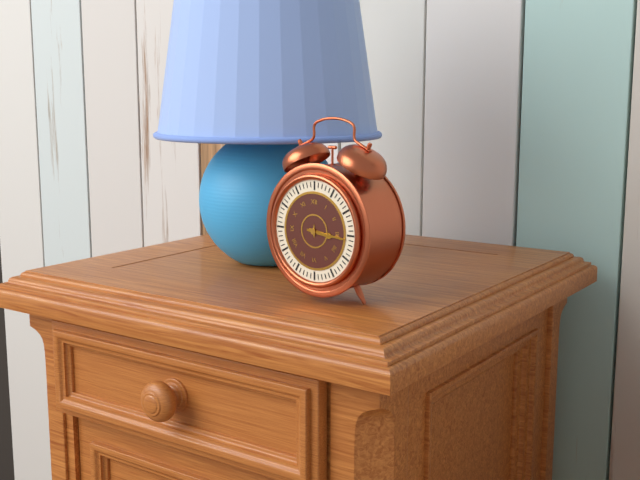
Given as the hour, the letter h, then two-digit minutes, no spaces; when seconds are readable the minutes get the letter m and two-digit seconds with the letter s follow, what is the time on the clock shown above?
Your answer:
3h16
